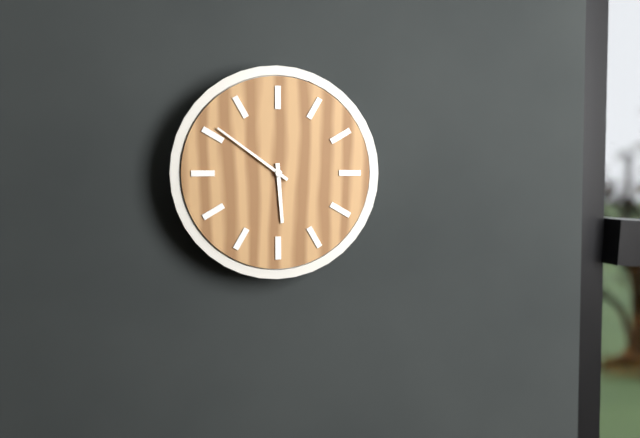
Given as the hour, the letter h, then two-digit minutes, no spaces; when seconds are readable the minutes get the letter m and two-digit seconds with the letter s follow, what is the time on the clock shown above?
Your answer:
5h51
